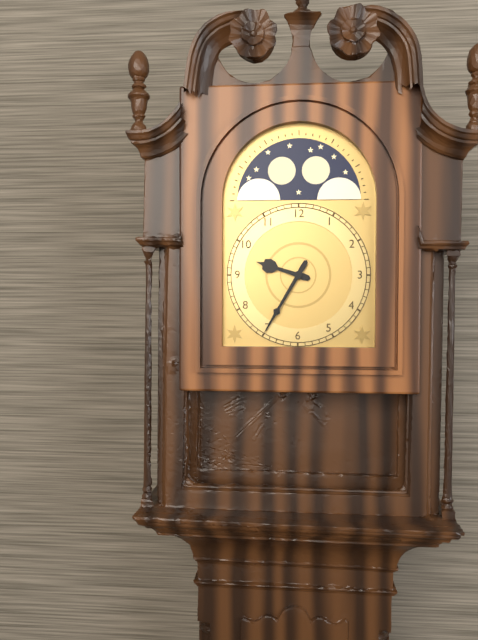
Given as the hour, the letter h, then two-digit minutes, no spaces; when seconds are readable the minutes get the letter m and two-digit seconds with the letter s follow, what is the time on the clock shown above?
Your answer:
9h35
